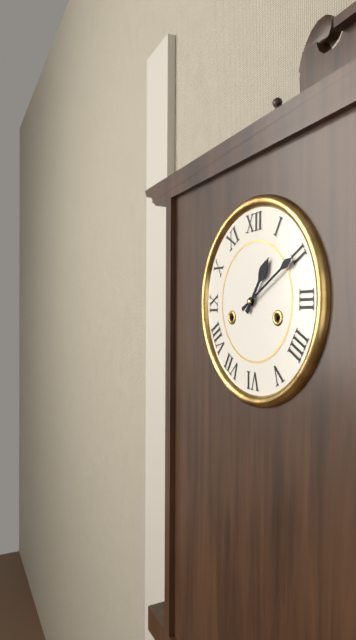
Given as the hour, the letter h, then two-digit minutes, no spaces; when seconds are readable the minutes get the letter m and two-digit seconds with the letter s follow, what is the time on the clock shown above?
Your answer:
1h10
